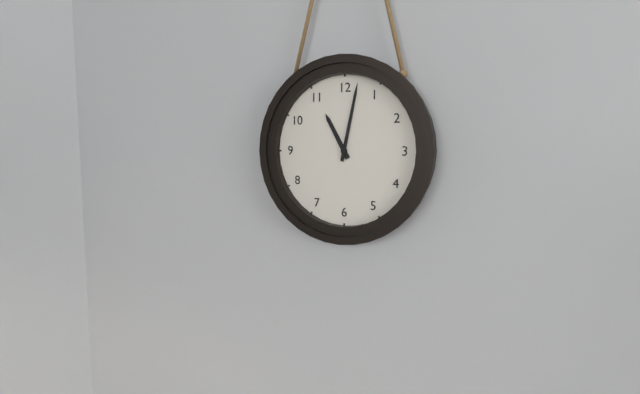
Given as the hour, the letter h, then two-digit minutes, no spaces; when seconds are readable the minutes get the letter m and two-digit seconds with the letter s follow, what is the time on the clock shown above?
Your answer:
11h02
